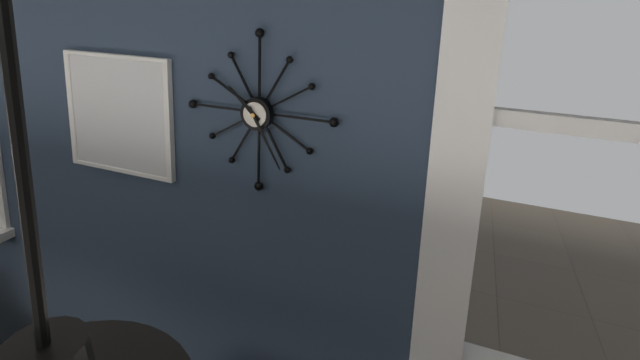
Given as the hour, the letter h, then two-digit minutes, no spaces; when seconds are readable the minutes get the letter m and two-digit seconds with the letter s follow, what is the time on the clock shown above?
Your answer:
10h25
